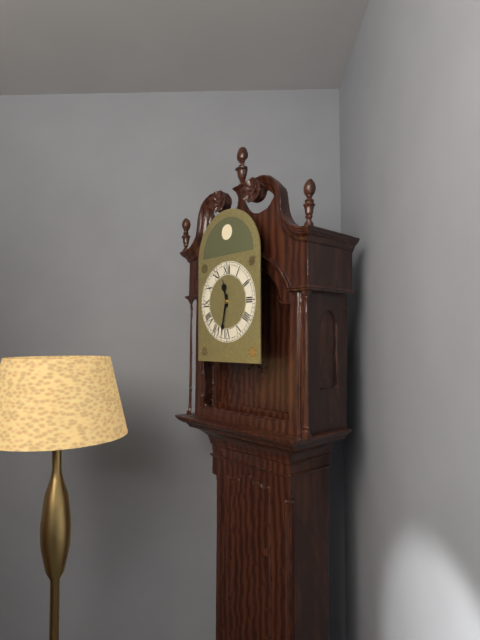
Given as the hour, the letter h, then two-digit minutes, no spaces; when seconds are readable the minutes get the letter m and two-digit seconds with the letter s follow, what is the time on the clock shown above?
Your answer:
11h32
